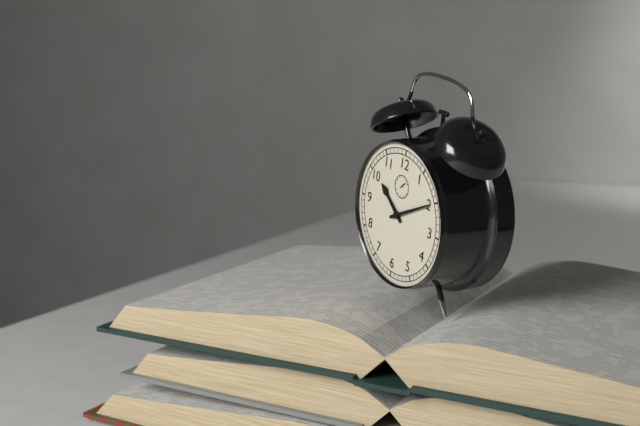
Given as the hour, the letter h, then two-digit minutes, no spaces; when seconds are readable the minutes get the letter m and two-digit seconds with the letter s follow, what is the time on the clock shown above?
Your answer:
10h10
